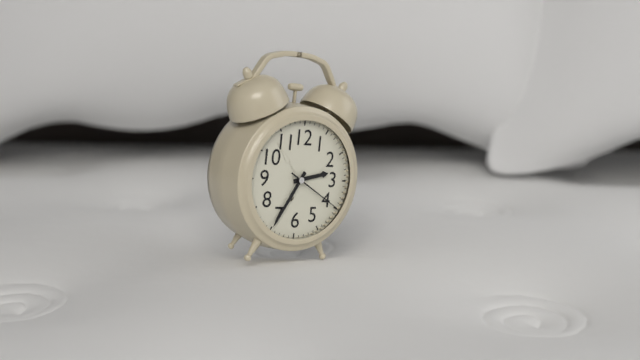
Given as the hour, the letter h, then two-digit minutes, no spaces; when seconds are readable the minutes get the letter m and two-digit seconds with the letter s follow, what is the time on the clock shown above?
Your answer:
2h35m20s
